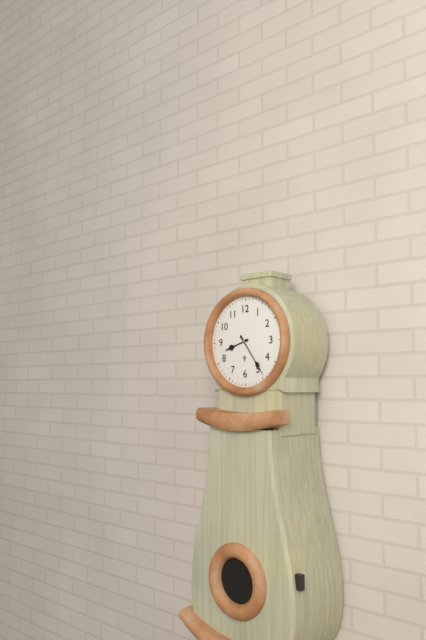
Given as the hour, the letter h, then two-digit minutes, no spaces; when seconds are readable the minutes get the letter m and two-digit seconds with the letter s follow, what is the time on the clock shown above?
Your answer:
8h24
